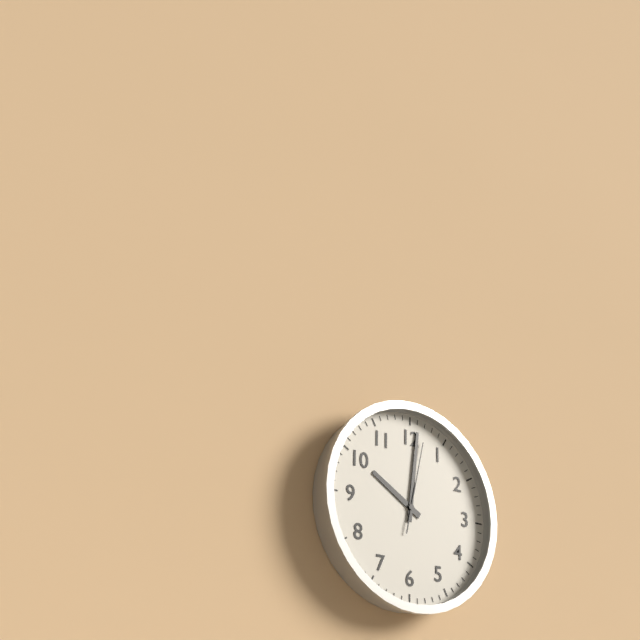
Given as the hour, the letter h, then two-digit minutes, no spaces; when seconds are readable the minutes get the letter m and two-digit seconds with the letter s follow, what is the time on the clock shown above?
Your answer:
10h01m02s
